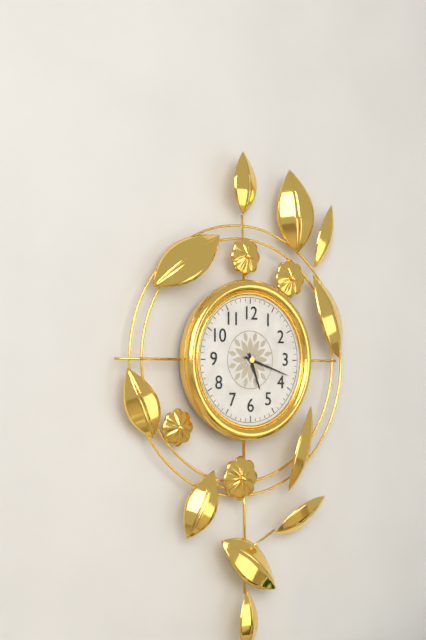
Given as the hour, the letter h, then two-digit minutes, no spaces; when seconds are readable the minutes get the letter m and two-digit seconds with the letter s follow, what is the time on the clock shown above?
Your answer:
5h18
